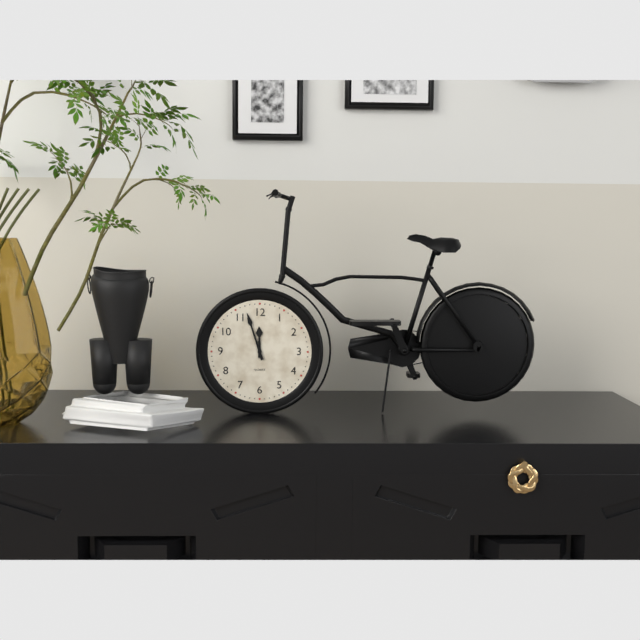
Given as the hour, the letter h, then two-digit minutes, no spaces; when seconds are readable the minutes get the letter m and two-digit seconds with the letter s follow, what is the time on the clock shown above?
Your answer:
11h57
